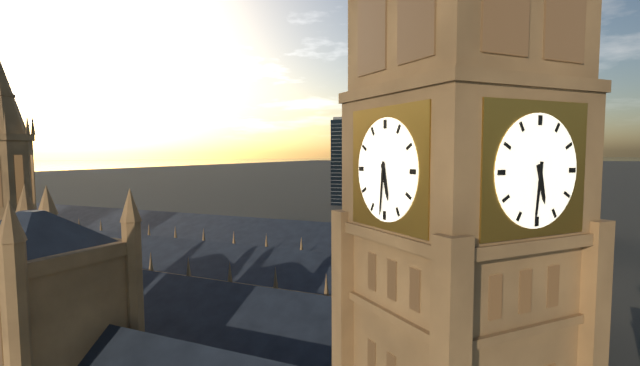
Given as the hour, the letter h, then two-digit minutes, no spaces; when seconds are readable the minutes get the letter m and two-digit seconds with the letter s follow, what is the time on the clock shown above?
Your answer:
5h31
